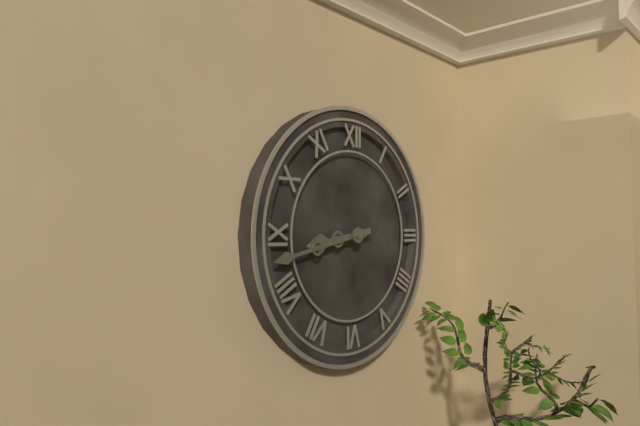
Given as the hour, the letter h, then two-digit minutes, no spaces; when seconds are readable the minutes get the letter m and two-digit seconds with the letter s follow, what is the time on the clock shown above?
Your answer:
8h43
